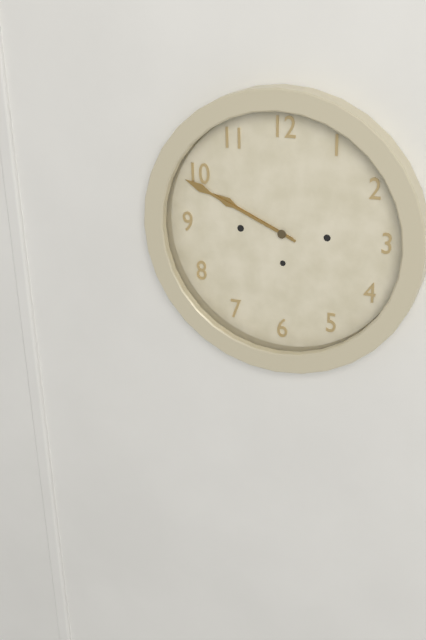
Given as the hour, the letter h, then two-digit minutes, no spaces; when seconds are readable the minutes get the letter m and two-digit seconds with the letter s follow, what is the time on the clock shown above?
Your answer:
9h49
